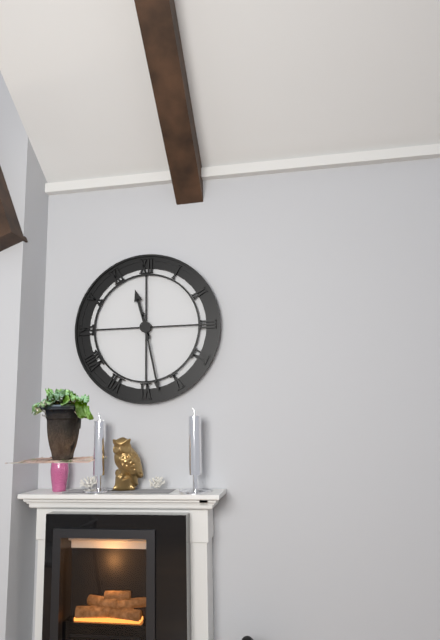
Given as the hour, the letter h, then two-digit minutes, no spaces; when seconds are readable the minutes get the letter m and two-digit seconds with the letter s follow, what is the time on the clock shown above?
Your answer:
11h28
